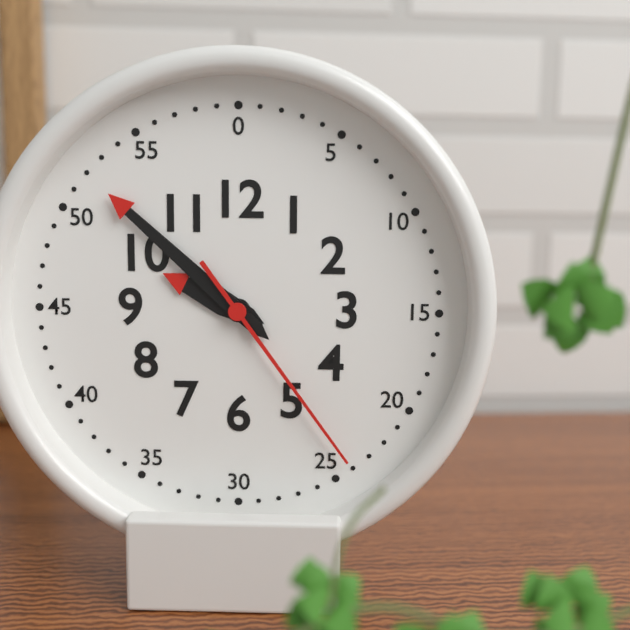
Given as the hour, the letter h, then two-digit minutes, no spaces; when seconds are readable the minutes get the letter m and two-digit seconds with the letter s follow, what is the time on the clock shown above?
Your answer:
9h52m24s
